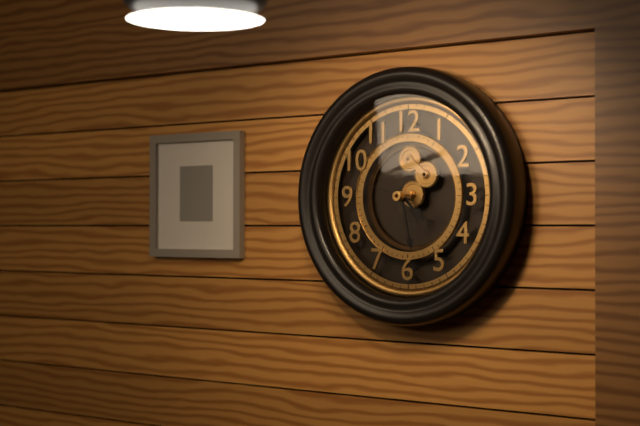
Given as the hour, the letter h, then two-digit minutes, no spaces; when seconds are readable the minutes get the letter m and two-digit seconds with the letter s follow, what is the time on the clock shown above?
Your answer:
4h28m48s
